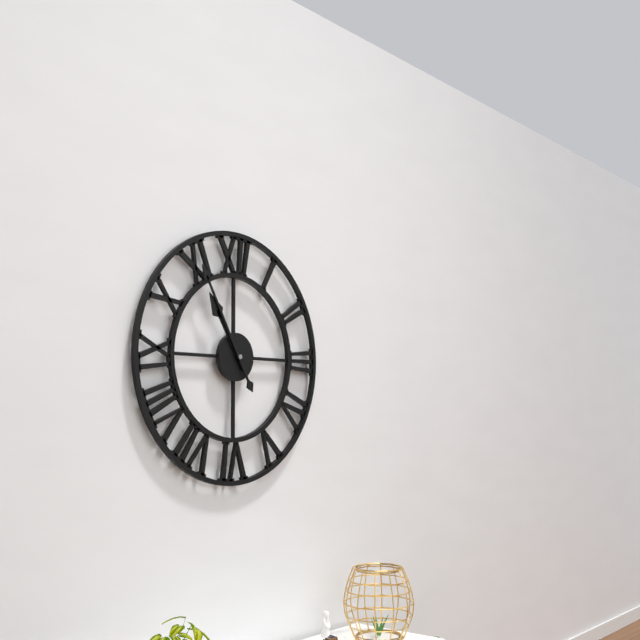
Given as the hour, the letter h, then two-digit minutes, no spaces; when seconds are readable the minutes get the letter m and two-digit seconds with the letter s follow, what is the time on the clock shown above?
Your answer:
10h55
